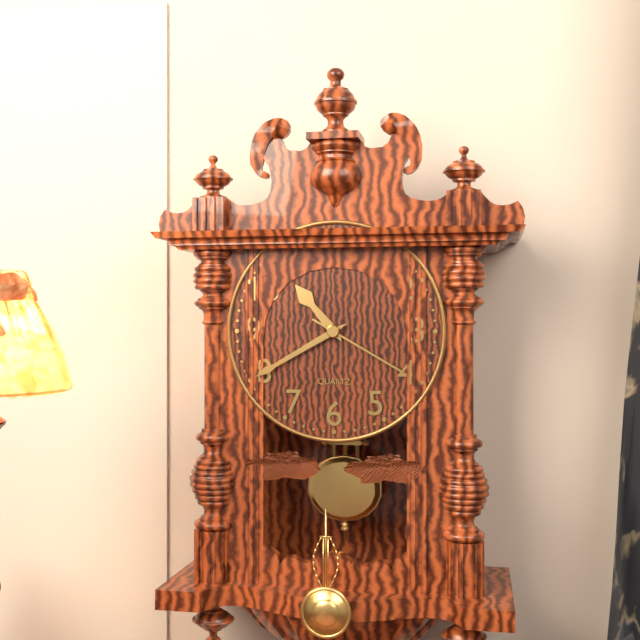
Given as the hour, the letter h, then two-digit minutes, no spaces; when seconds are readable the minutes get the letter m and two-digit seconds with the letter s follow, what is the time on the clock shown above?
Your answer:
10h40m20s
